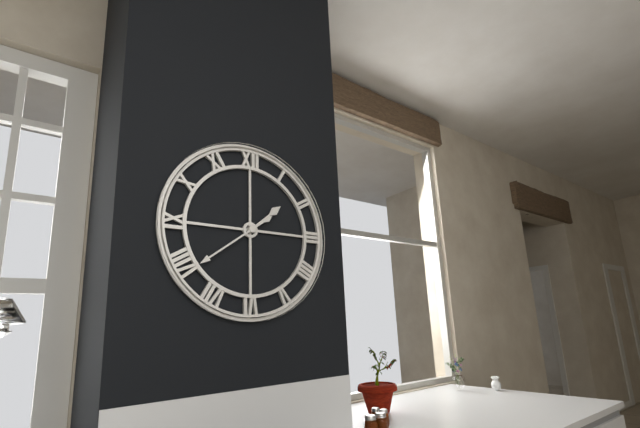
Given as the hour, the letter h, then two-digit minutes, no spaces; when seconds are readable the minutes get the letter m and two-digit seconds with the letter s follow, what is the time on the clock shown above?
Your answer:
1h39
